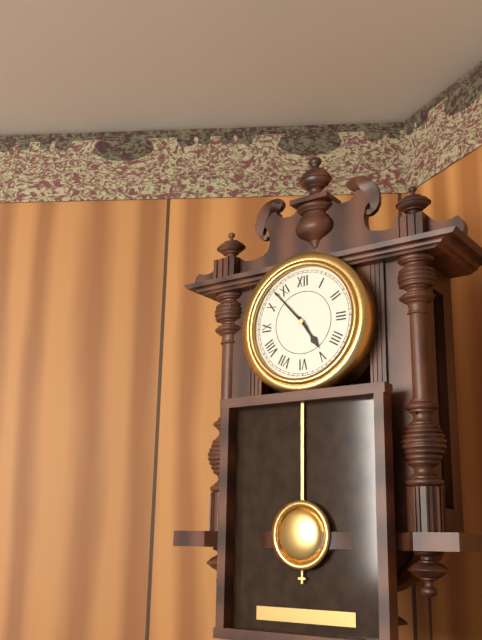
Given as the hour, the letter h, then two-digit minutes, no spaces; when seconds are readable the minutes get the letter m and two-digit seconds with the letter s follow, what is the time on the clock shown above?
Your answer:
4h53
